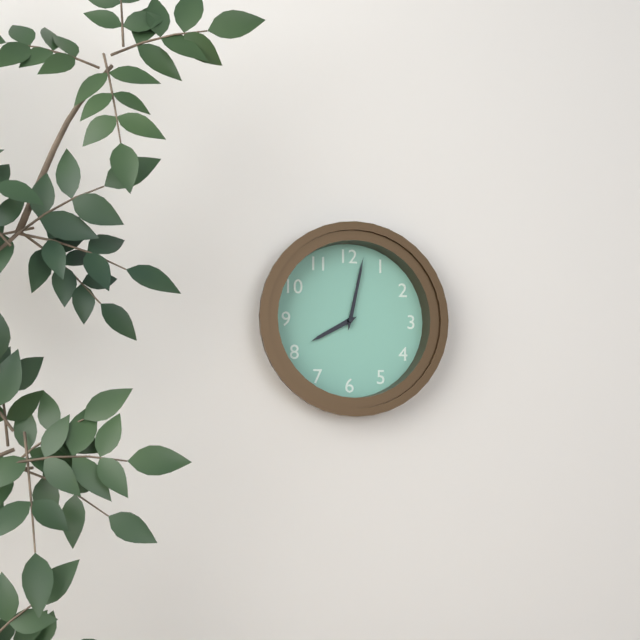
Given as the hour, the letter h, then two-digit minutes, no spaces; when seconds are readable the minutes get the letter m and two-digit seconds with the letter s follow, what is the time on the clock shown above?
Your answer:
8h02
